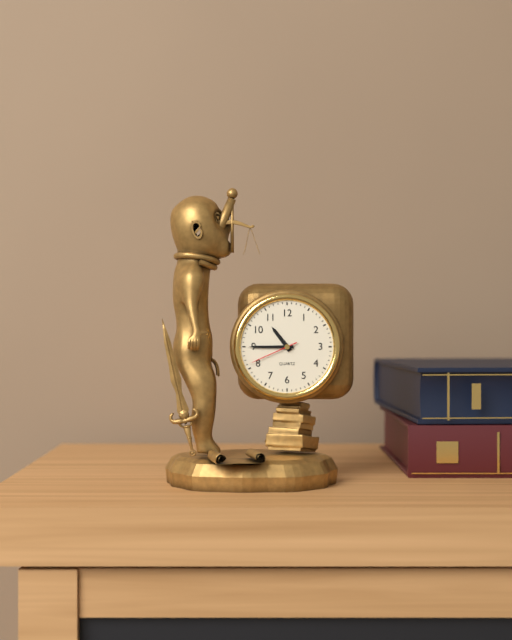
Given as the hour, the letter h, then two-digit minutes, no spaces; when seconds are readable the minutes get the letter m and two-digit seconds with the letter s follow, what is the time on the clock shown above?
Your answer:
10h45m41s
